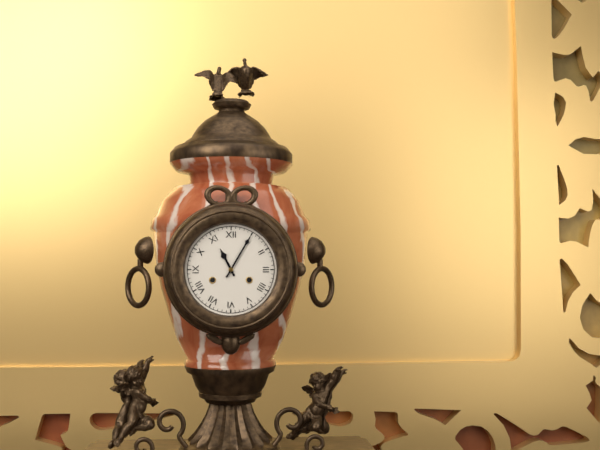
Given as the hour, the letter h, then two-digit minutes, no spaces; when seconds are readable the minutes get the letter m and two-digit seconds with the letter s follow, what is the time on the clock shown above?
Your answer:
11h05
